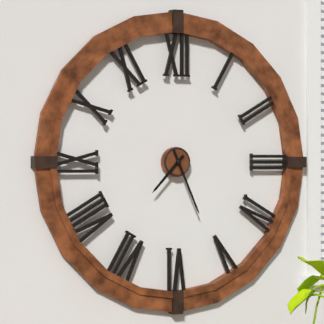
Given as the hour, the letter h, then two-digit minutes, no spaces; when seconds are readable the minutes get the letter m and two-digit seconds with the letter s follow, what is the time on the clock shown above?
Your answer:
7h26
